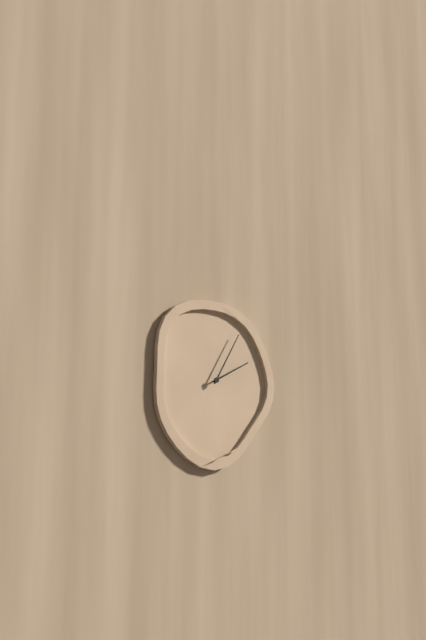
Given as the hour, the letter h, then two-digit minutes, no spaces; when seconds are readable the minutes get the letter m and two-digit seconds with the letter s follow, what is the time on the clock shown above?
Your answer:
2h05
